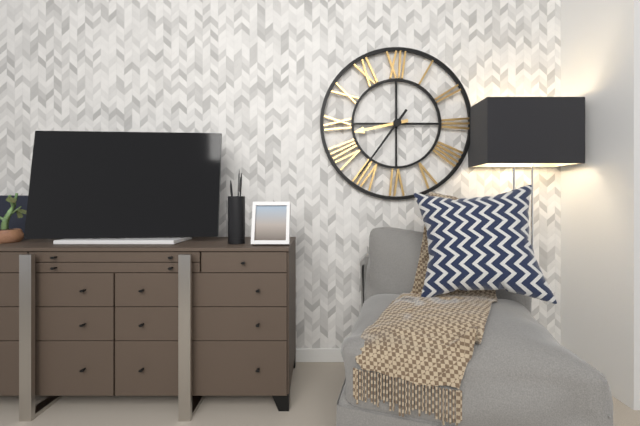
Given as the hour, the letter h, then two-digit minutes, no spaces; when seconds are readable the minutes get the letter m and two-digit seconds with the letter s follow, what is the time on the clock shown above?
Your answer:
8h36
